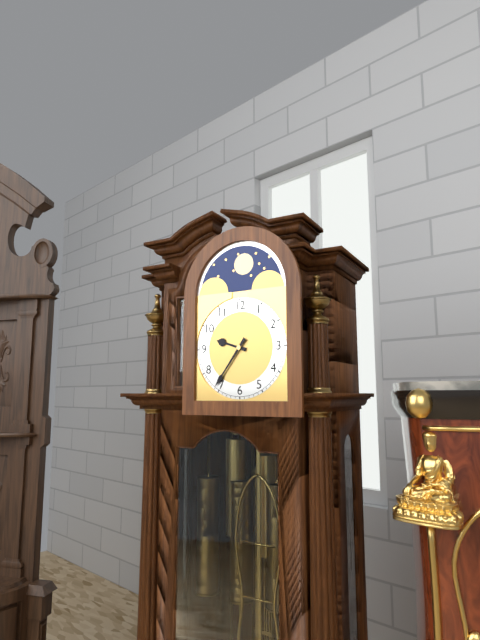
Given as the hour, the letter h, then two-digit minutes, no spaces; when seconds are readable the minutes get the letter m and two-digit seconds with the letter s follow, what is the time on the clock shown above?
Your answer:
9h36
